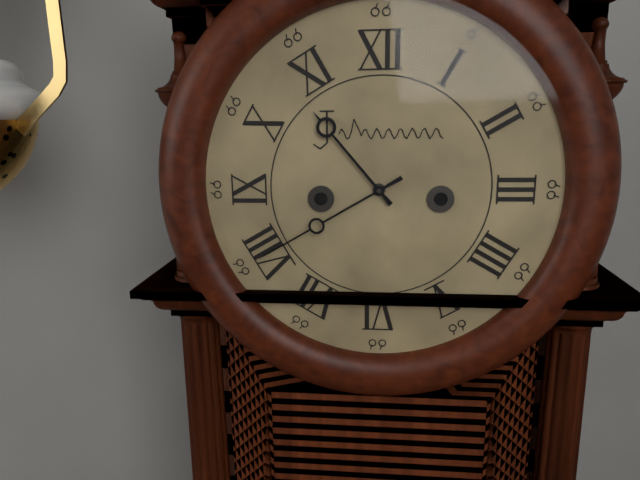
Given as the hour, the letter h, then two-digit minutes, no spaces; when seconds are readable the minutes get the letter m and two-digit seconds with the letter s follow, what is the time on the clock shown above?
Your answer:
10h40
